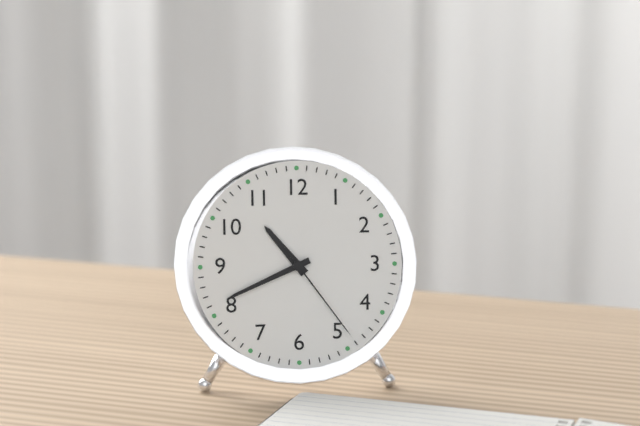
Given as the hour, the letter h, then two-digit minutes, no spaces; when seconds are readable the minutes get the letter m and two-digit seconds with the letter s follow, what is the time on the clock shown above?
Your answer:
10h41m24s
